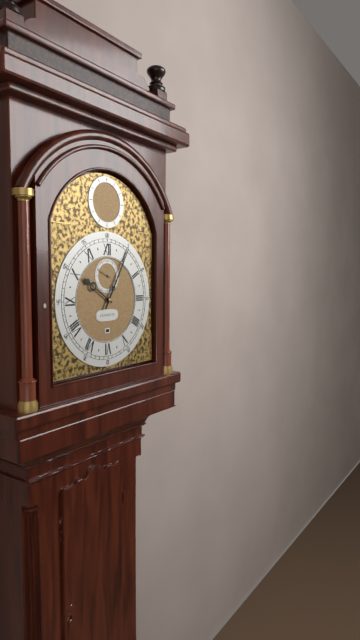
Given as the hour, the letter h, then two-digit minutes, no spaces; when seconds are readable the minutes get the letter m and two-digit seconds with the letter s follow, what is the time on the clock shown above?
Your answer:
10h05
